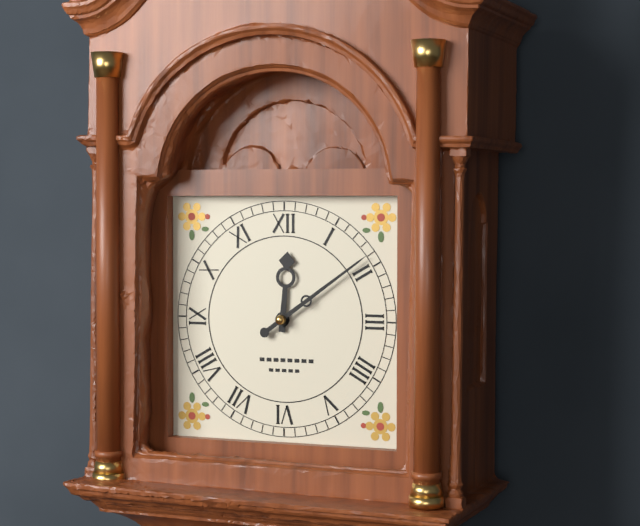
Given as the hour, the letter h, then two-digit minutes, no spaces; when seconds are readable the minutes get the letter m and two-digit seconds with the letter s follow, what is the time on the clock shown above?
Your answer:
12h09
